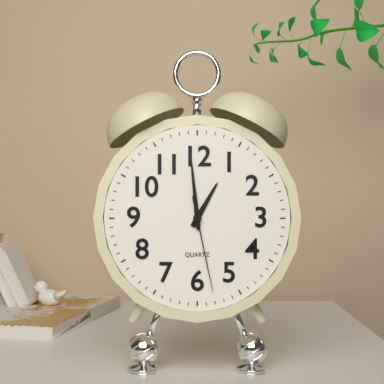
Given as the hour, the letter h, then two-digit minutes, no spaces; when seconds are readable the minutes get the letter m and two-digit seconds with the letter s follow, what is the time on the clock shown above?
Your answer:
12h59m28s
